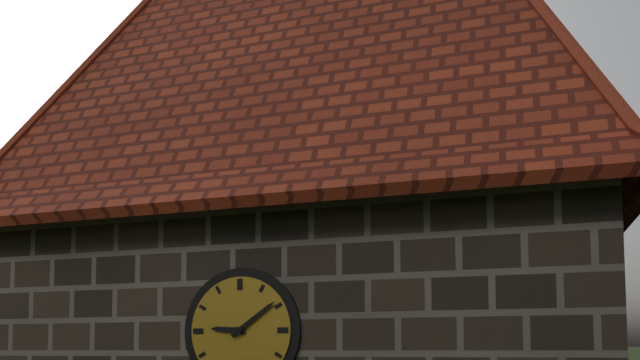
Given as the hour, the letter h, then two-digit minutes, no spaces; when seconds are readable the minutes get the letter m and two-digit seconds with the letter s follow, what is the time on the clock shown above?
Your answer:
9h09
